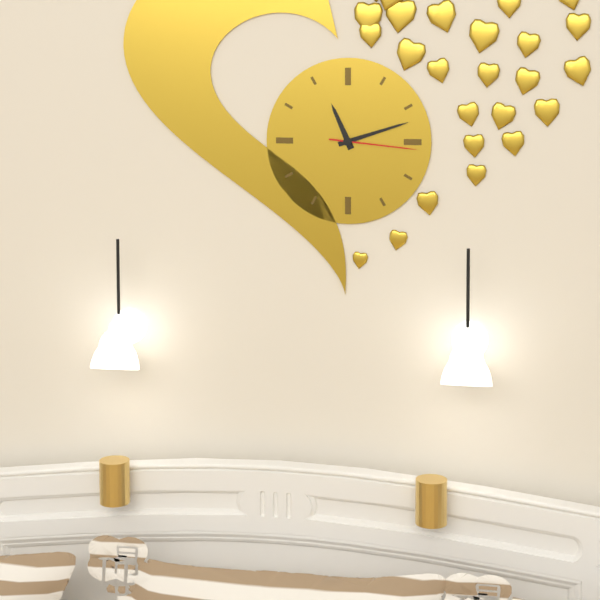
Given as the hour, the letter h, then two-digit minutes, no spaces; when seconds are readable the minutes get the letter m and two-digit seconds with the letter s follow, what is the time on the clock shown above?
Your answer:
11h12m16s
